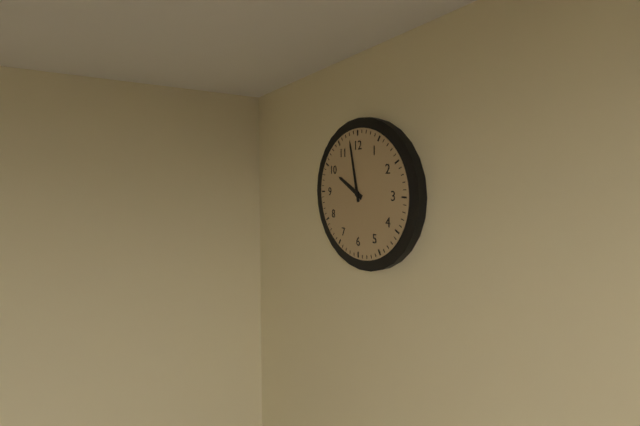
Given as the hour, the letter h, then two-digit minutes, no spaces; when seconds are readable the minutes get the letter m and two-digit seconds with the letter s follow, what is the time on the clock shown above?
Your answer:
9h58
